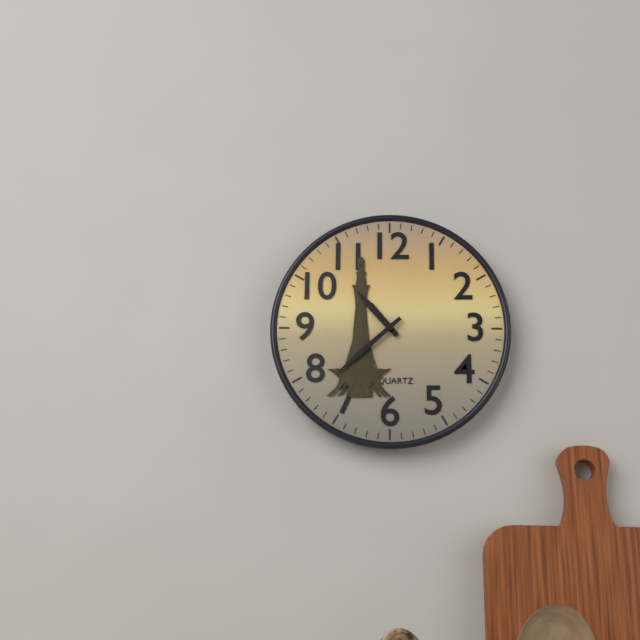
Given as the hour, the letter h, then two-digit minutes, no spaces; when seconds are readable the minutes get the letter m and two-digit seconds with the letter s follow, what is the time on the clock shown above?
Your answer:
10h38
